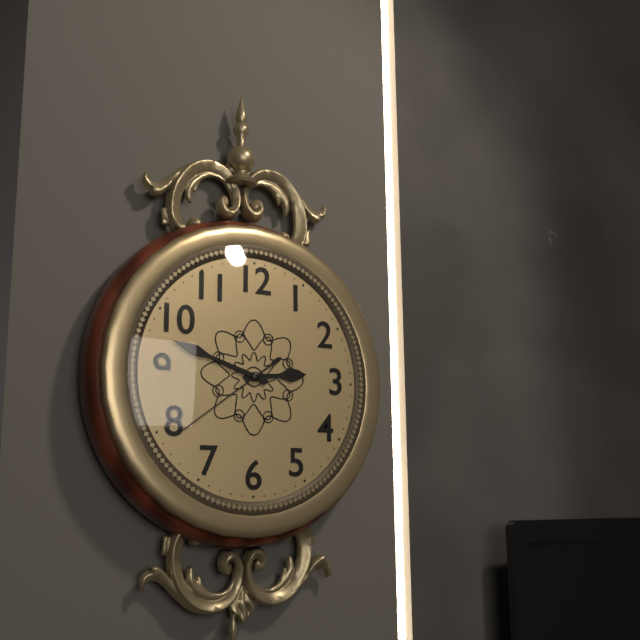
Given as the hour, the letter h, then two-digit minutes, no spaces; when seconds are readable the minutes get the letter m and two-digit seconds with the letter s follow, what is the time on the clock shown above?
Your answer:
2h48m39s
